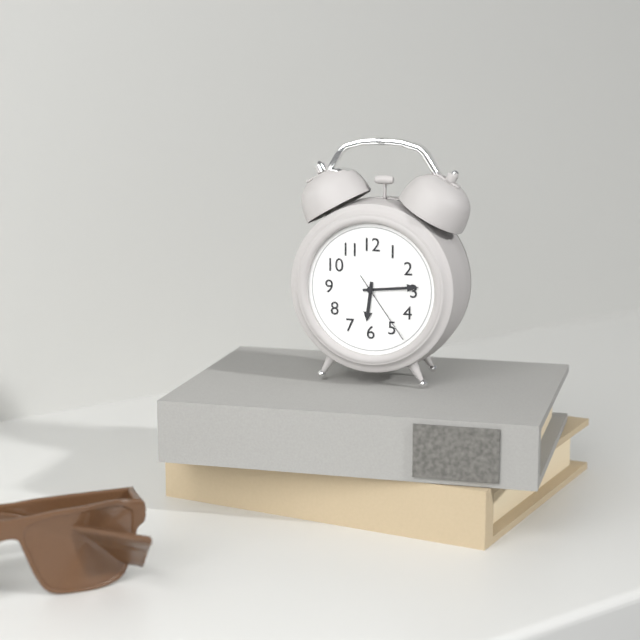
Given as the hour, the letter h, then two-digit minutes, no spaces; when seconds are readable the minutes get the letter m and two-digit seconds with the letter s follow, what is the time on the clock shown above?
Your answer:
6h14m24s
